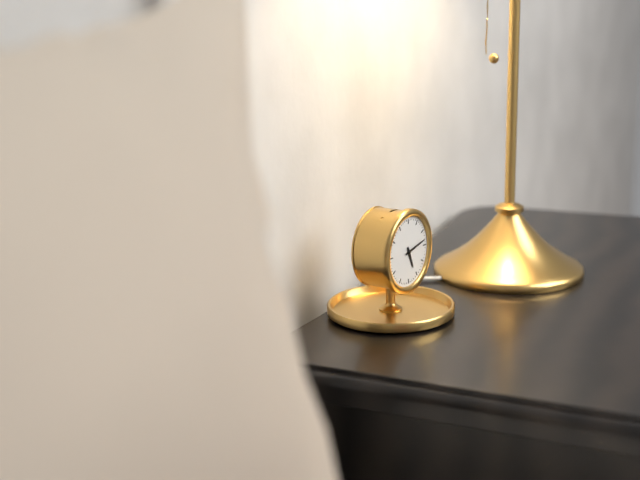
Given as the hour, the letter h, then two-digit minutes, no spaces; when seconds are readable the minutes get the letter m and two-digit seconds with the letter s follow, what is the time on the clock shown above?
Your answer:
5h13
